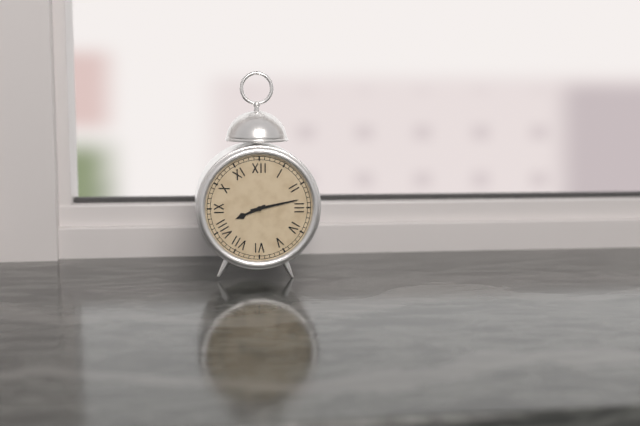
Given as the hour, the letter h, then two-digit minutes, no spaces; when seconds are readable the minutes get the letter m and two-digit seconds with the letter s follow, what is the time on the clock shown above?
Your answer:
8h13
